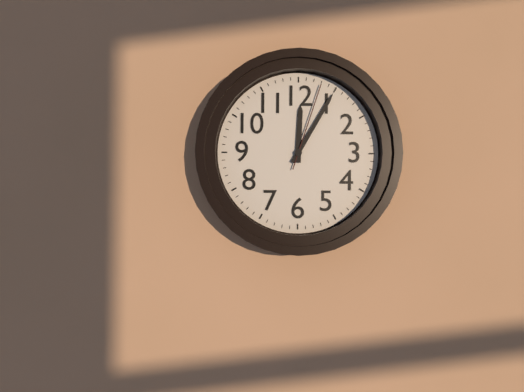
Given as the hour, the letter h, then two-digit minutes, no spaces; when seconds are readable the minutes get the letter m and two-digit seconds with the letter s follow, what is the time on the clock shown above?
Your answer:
12h05m03s
